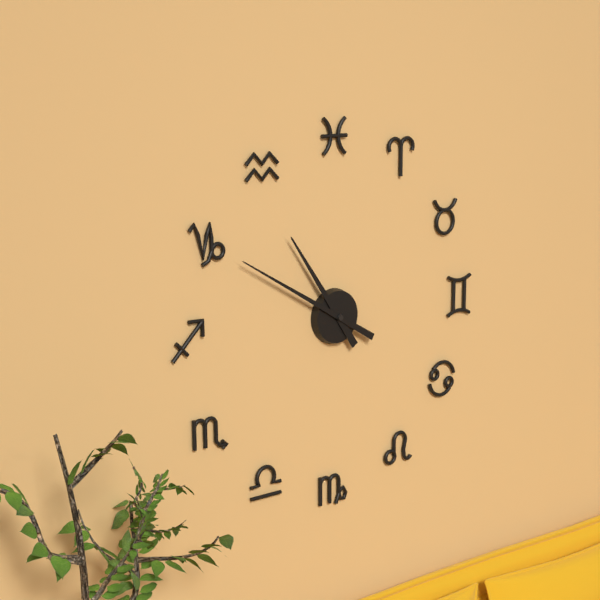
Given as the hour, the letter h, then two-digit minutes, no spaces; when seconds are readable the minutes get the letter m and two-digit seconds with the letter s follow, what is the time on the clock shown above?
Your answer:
10h50
